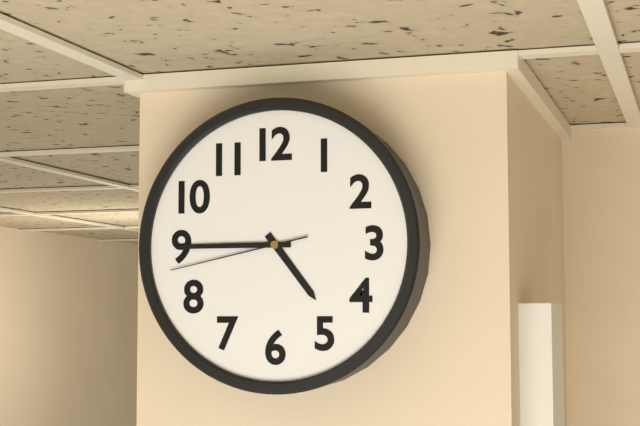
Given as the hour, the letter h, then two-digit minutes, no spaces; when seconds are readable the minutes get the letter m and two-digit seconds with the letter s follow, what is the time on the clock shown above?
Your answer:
4h45m43s
